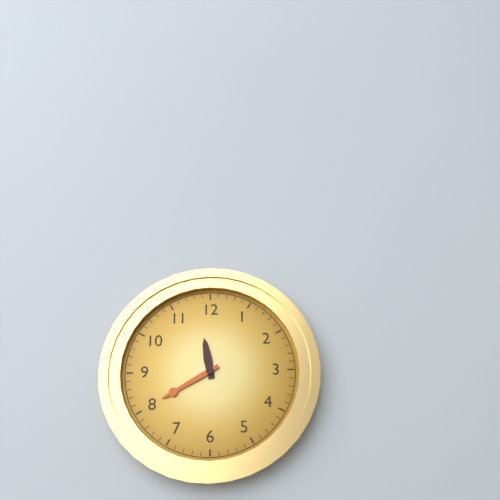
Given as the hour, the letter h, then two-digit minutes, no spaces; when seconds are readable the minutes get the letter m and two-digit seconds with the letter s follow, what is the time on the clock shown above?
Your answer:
11h40
